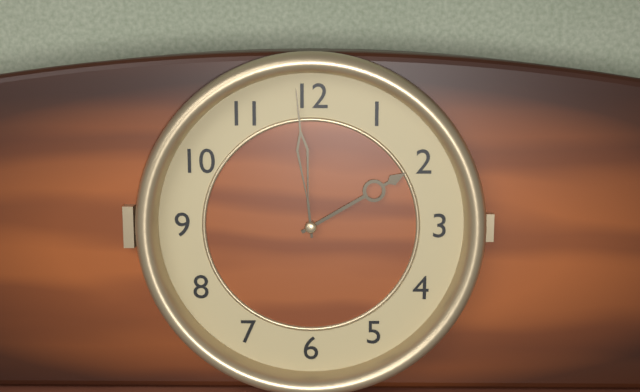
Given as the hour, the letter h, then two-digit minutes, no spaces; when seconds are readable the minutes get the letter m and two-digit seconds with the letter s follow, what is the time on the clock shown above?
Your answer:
1h59
